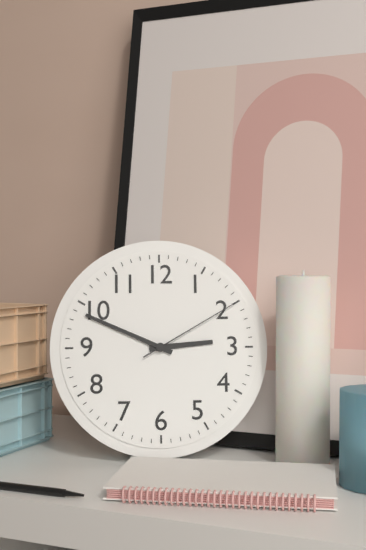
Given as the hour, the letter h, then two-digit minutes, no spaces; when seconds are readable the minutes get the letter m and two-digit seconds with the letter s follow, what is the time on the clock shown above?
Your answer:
2h49m10s
